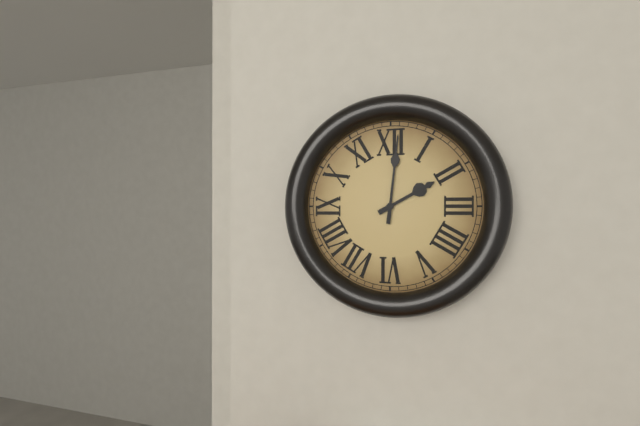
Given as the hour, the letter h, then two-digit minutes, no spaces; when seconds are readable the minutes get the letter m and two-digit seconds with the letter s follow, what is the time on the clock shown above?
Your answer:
2h01
